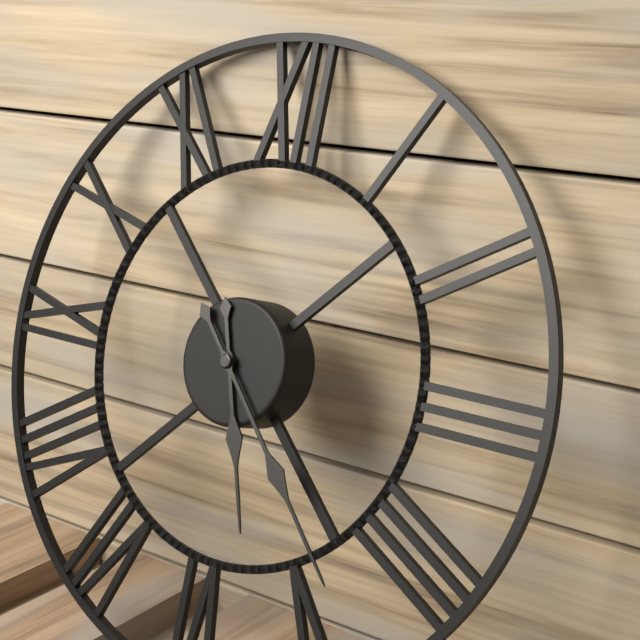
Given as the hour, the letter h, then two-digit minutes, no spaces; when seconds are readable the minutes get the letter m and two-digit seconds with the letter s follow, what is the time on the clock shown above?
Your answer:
5h23
